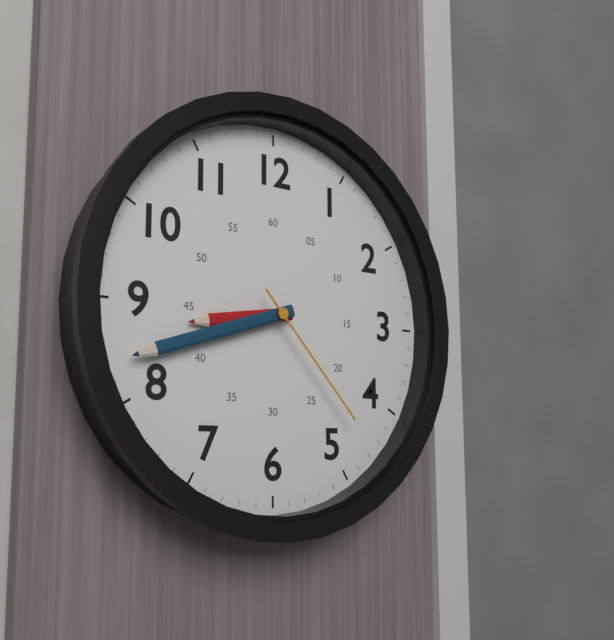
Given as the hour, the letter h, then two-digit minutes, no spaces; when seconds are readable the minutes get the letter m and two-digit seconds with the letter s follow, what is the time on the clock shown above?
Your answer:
8h42m23s
